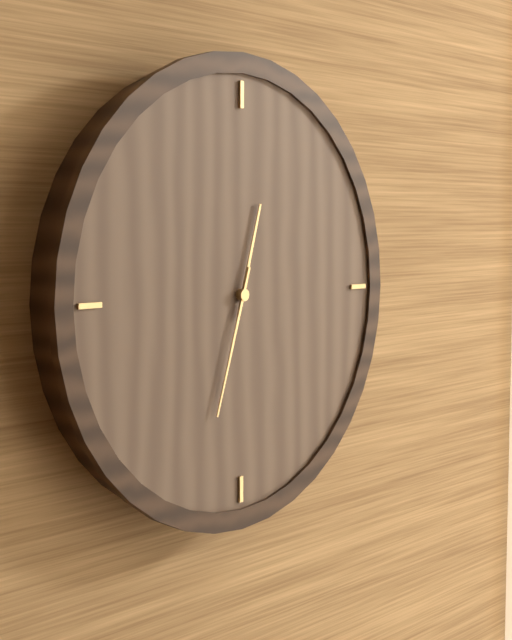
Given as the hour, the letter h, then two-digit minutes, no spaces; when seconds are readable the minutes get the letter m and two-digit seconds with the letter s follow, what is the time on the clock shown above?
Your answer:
12h33
